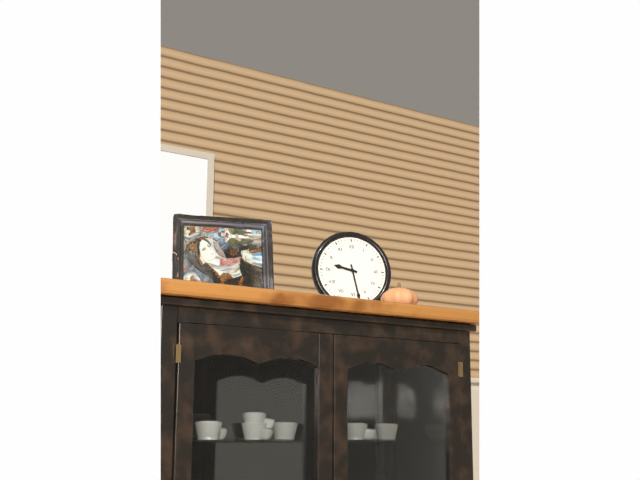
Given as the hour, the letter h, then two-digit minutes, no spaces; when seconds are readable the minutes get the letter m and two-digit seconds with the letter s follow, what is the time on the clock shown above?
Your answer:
9h28
